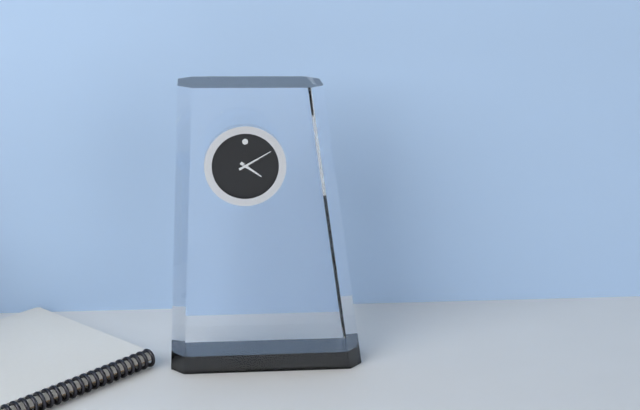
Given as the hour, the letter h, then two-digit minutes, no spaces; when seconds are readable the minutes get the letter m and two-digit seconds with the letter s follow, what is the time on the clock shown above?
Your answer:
4h10
